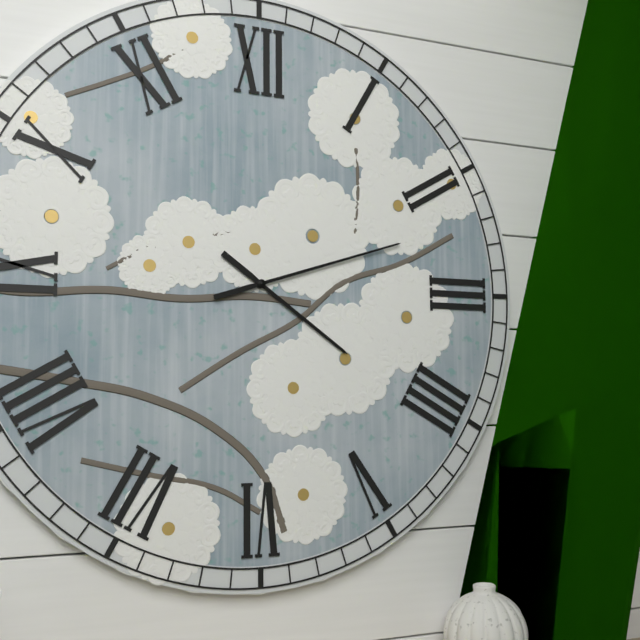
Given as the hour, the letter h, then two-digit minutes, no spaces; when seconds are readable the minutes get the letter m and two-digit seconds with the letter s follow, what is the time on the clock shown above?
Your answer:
4h12
